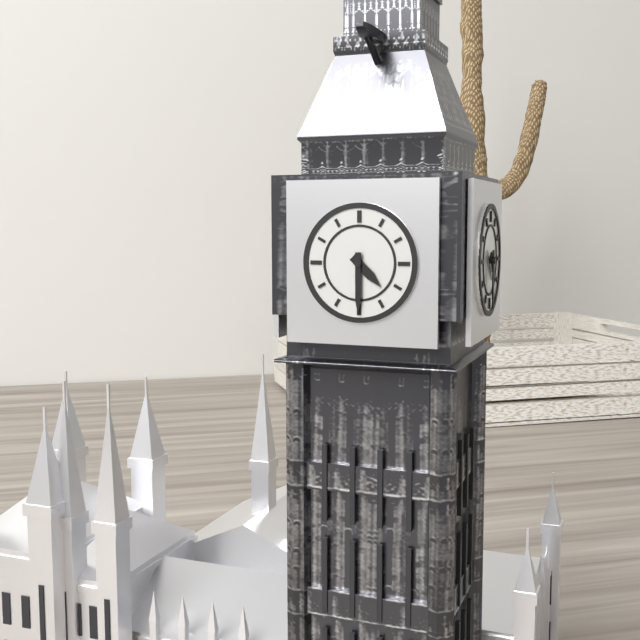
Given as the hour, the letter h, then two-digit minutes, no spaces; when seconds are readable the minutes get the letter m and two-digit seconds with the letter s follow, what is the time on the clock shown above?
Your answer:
4h30
